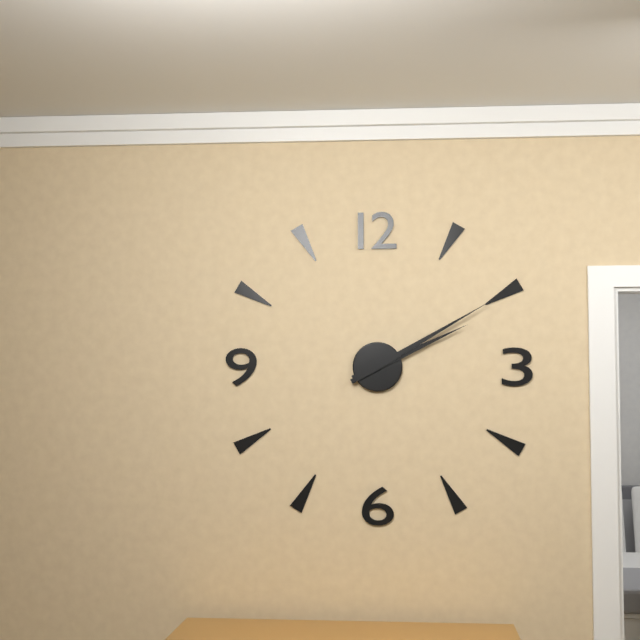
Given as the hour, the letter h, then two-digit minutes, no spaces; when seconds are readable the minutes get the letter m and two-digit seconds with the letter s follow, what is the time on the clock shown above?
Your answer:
2h10
